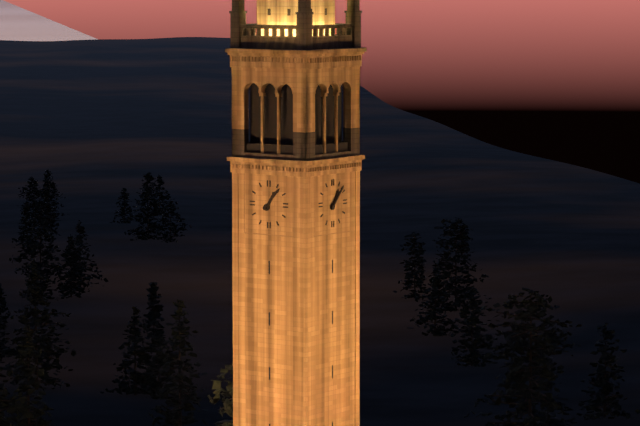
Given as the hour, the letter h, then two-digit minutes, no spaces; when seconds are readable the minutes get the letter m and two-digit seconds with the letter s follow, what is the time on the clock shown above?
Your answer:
1h07
